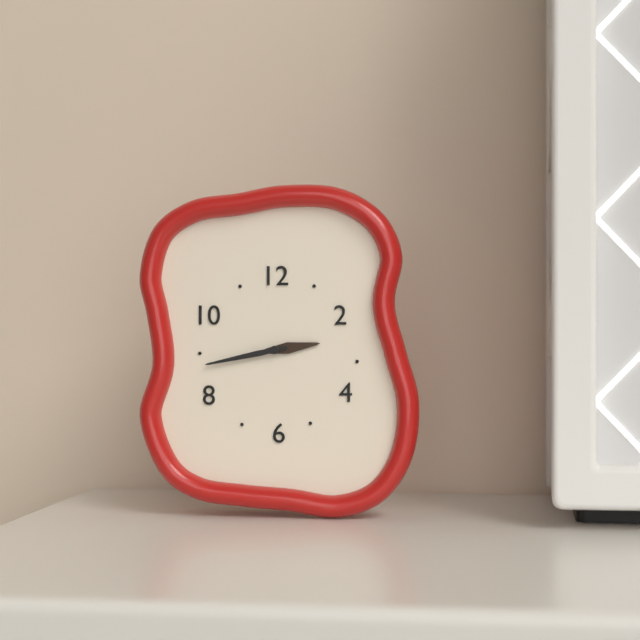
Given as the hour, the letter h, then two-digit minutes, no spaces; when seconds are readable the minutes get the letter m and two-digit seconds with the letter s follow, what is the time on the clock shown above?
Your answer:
2h43
